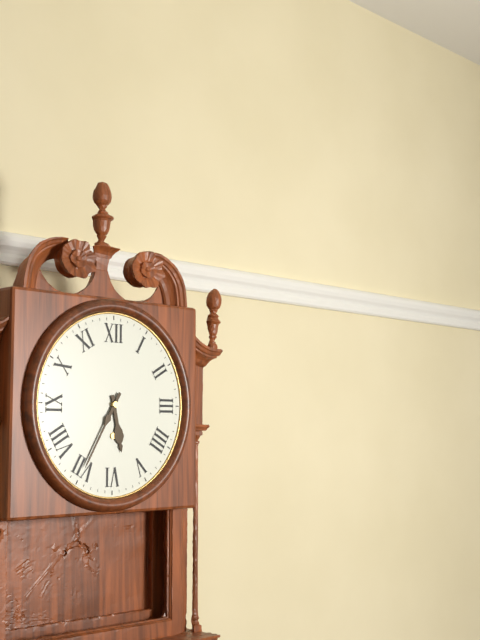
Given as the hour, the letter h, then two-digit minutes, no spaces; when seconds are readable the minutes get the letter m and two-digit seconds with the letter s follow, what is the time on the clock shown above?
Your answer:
5h35
